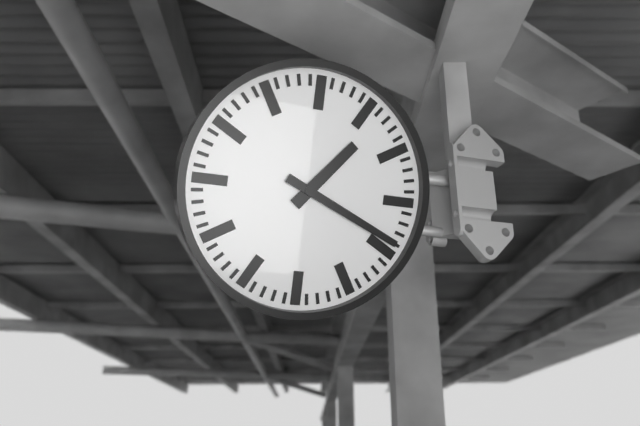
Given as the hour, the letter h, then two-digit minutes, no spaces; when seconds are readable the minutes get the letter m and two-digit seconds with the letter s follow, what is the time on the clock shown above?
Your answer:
1h19
